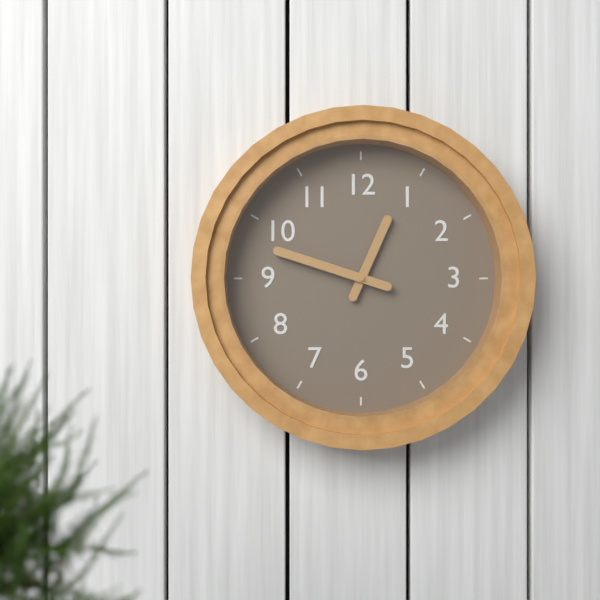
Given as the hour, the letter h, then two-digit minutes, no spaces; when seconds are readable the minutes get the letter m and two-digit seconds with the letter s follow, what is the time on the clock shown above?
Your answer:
12h48
